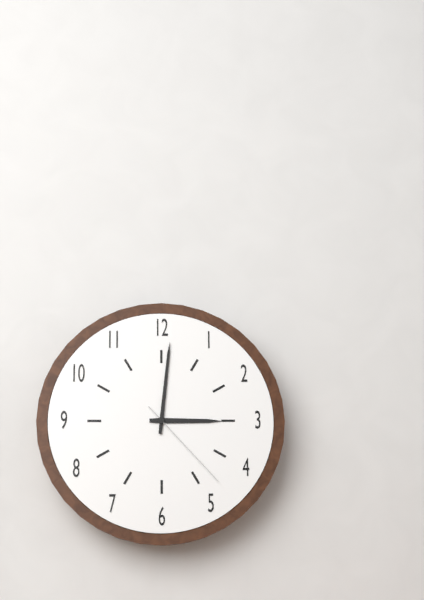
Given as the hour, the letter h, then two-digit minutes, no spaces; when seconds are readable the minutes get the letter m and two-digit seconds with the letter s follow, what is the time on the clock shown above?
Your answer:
3h01m23s
